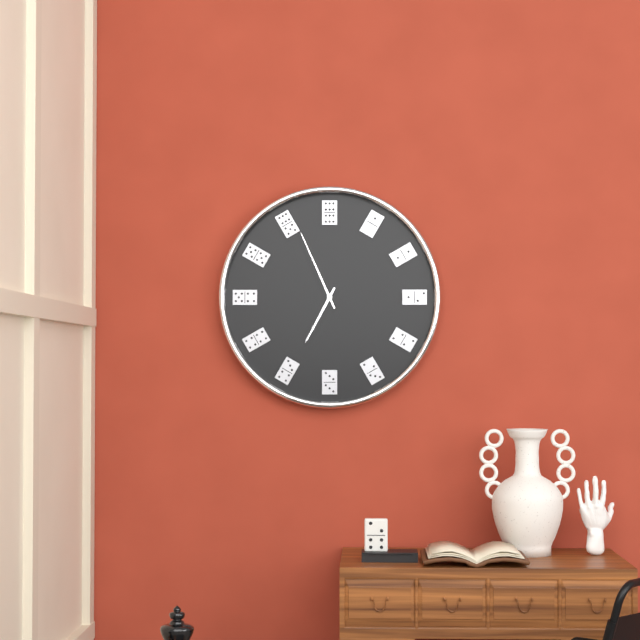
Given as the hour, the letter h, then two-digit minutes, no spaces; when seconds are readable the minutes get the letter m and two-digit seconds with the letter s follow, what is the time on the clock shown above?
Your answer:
6h56
